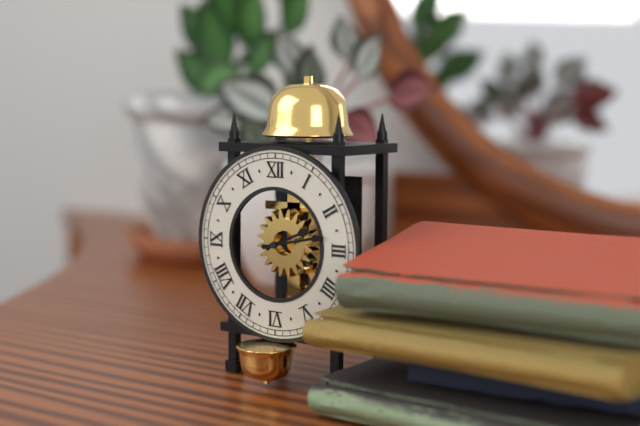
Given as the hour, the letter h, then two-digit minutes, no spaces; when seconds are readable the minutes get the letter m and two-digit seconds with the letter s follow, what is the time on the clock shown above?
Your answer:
2h13
